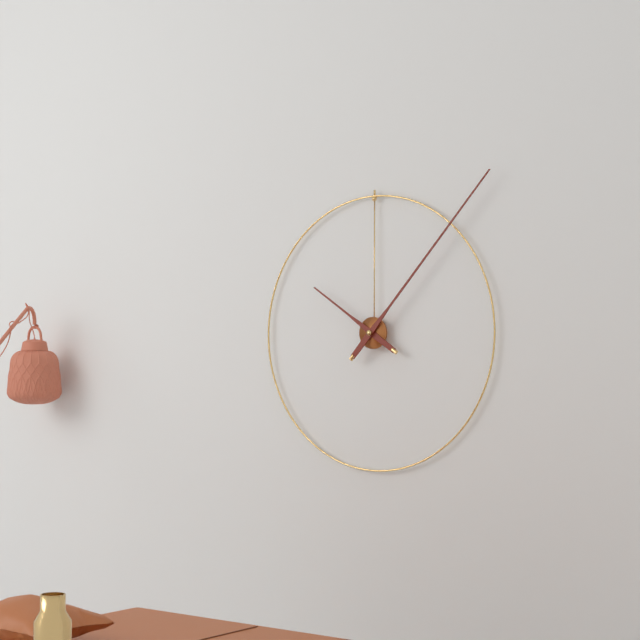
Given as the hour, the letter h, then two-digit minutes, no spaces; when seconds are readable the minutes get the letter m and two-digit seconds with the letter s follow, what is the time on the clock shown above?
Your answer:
10h07
